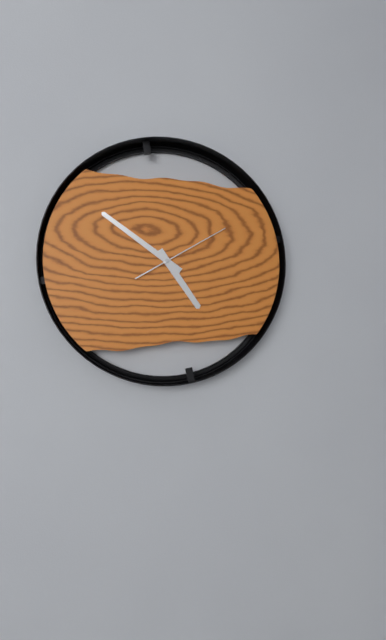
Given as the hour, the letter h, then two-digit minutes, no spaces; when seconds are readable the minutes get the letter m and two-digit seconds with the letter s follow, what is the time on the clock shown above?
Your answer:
4h51m10s
